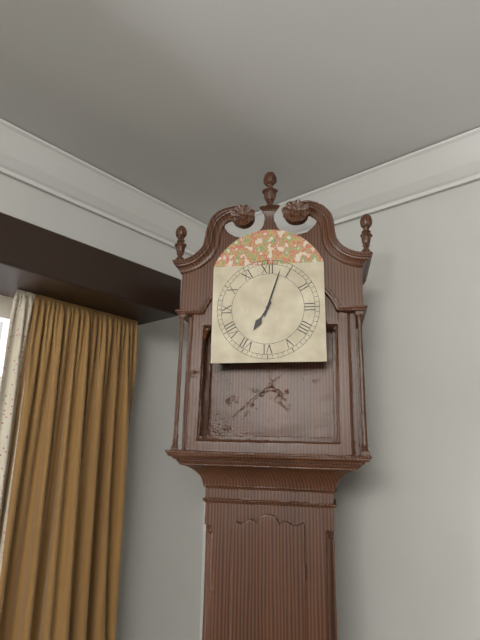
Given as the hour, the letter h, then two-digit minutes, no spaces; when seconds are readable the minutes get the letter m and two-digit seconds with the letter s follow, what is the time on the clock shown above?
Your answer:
7h03
